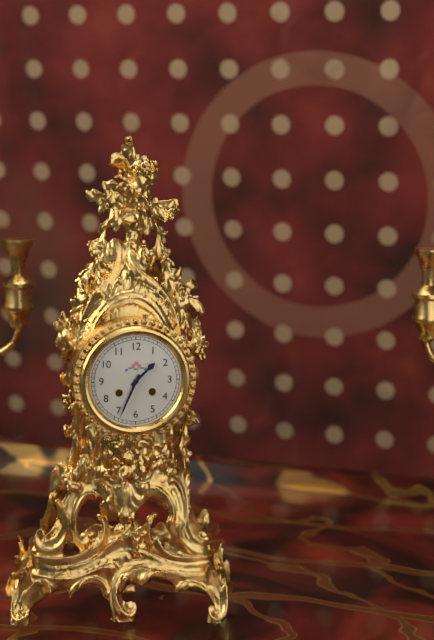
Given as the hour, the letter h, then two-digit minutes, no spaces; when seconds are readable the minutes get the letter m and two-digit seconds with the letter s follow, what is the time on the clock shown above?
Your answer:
1h34
